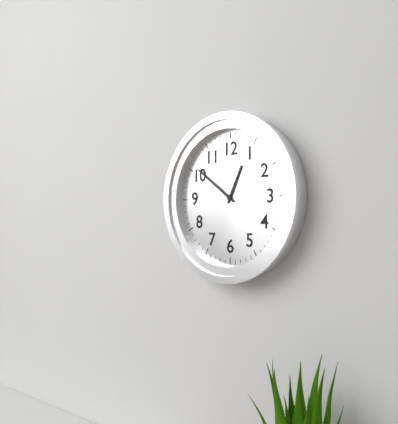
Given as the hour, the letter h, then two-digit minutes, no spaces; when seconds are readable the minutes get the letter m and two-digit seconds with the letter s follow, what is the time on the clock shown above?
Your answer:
12h51
